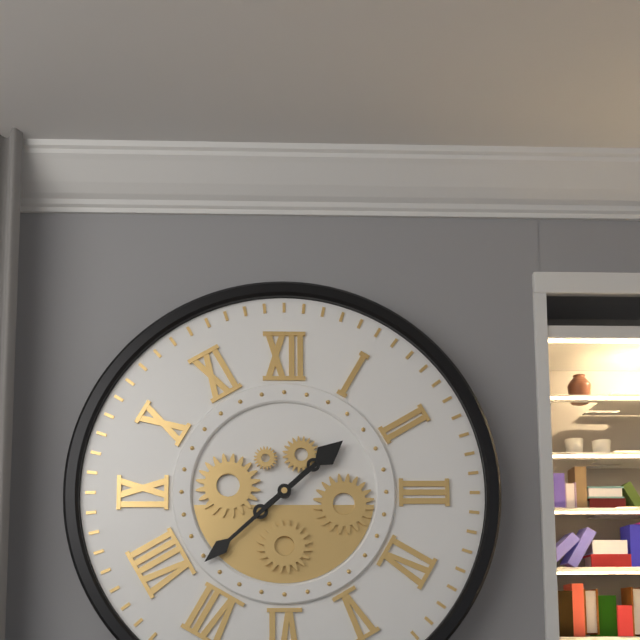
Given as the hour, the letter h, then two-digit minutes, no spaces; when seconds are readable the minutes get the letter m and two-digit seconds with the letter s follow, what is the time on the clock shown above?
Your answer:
1h38
